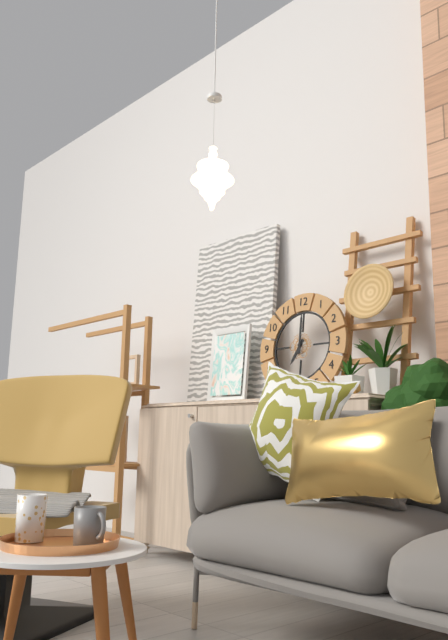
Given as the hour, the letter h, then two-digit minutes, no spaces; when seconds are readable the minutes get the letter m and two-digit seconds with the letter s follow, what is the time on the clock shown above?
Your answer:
7h00
